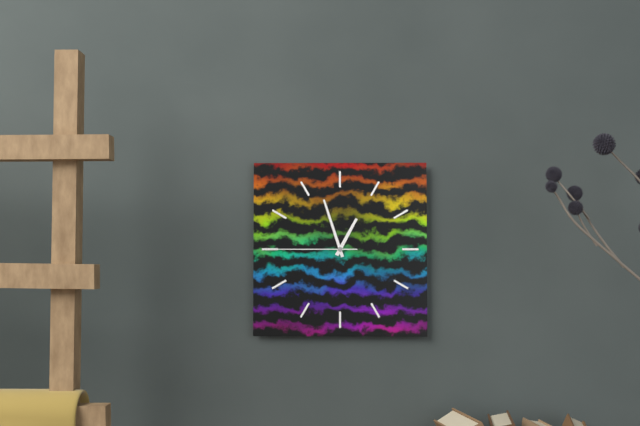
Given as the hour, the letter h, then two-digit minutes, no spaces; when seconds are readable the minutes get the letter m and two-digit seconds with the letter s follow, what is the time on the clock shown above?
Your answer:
12h57m45s
